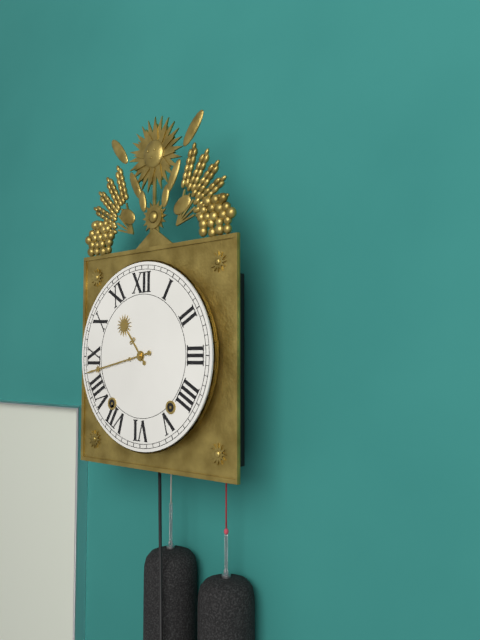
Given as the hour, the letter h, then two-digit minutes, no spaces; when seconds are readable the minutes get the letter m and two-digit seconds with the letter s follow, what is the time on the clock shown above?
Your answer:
10h43
